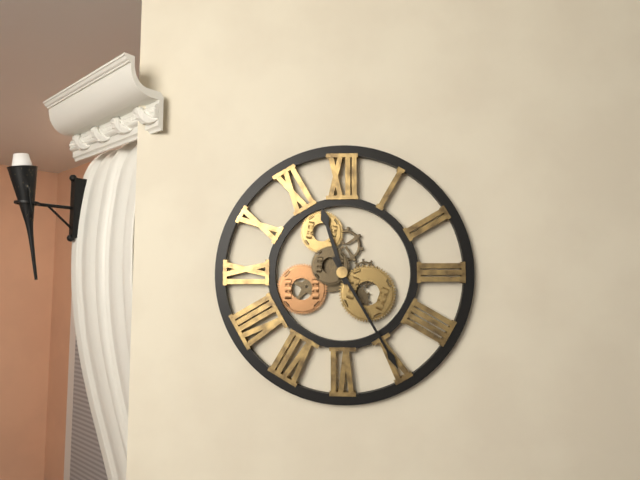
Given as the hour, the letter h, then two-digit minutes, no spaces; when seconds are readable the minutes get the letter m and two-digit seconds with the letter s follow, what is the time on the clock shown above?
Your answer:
11h25
